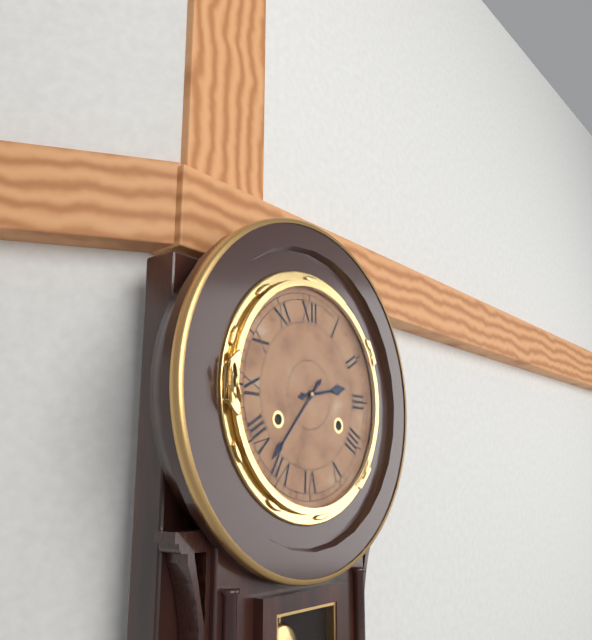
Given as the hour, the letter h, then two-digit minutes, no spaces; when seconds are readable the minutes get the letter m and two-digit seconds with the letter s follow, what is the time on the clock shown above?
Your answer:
2h37
